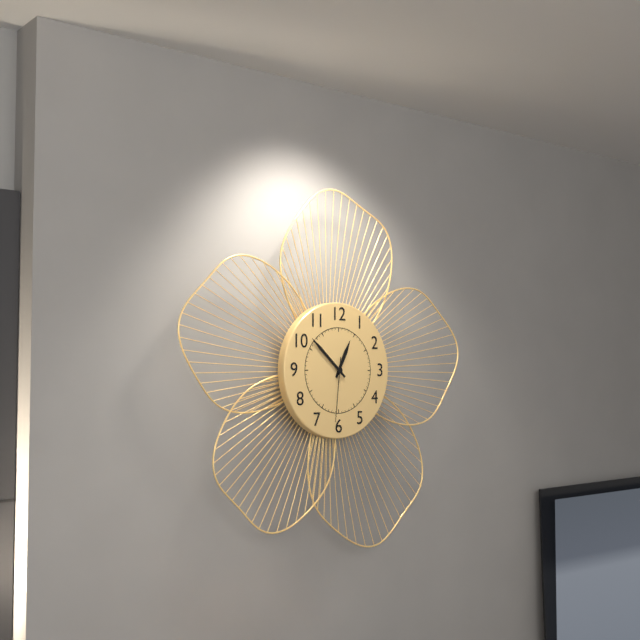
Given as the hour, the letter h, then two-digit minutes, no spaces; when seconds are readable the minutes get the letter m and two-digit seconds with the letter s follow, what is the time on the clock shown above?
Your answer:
12h52m31s
